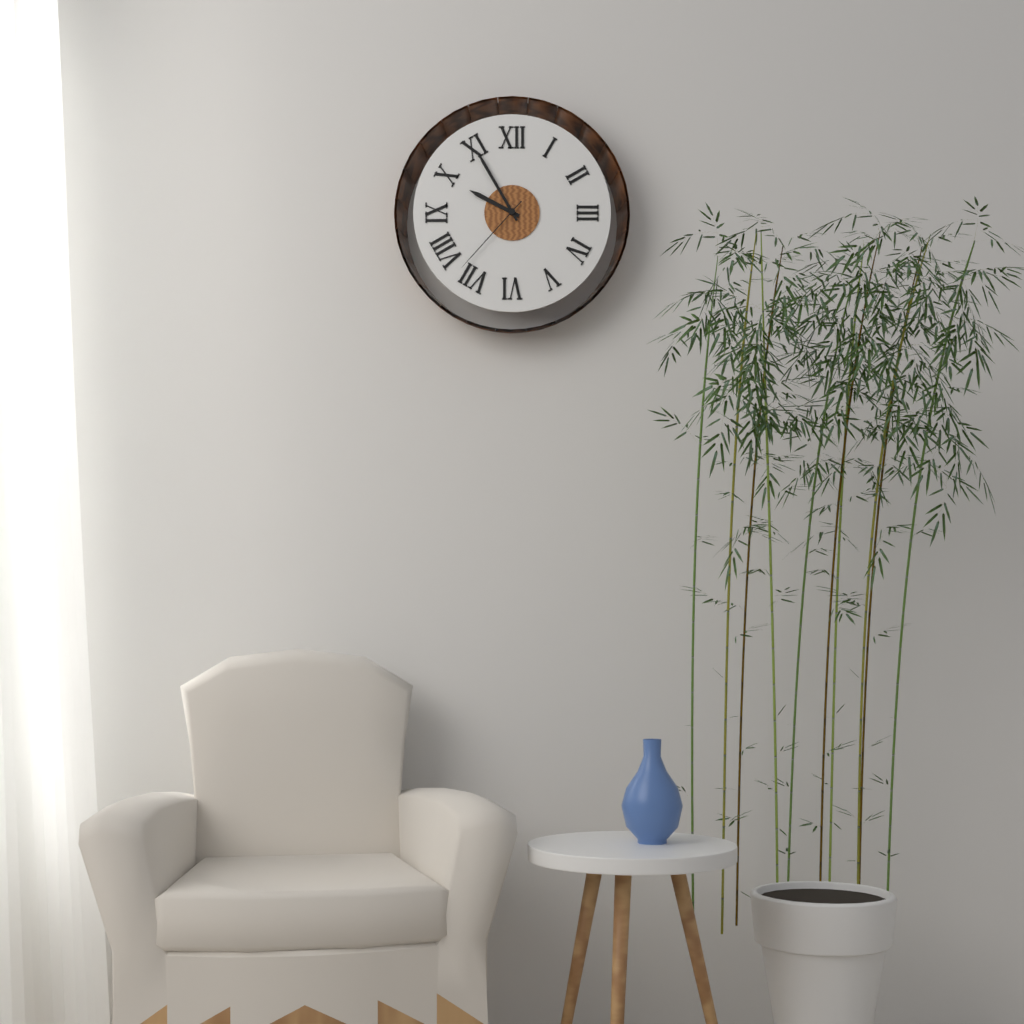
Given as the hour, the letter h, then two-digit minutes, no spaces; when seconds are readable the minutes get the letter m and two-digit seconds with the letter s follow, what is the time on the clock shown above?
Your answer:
9h55m37s
